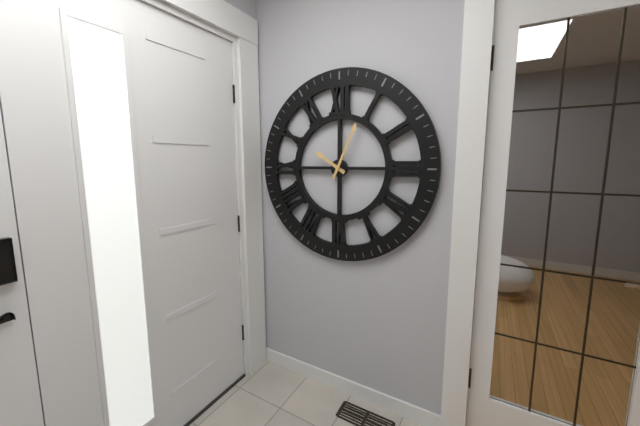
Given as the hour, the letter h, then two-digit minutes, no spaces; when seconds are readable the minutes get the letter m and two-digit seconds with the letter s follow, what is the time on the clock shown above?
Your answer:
10h04
